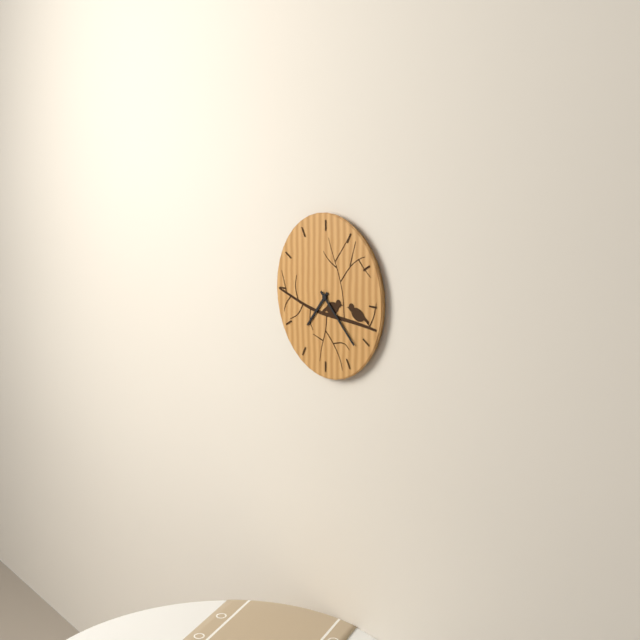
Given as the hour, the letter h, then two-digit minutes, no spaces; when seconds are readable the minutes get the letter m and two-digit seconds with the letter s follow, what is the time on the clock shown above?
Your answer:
7h22
